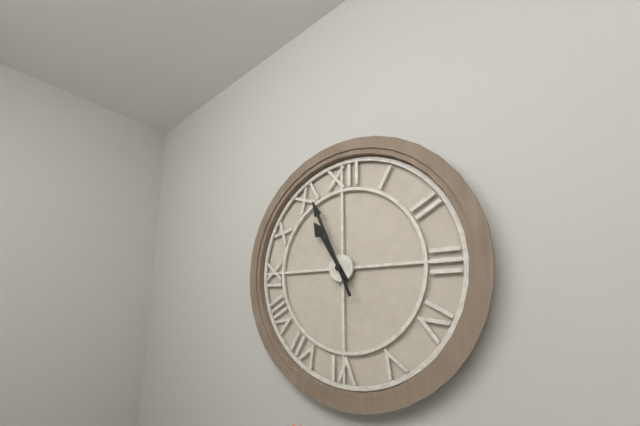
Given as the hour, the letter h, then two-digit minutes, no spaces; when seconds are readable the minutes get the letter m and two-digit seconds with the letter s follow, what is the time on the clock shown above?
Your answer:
10h56
